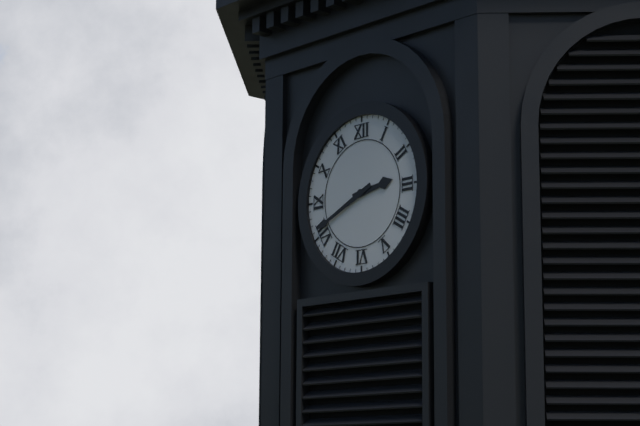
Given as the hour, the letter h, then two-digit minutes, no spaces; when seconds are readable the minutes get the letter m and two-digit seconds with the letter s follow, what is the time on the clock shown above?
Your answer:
2h41
